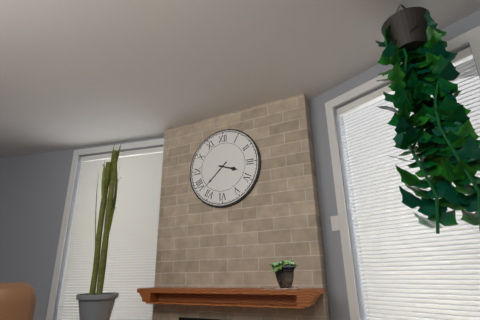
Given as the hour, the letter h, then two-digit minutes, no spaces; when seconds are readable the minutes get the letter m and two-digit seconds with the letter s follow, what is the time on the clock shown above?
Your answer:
3h38
